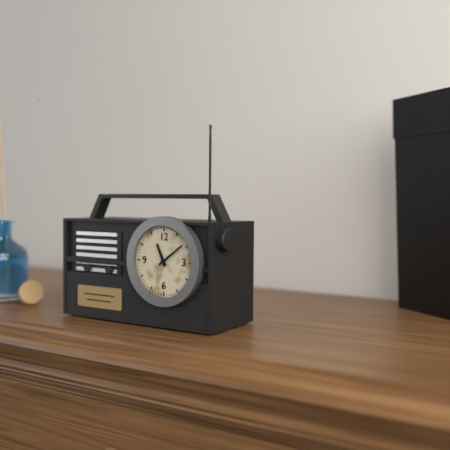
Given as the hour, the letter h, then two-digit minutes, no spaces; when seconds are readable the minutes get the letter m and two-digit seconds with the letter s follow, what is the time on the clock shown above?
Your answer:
11h09
